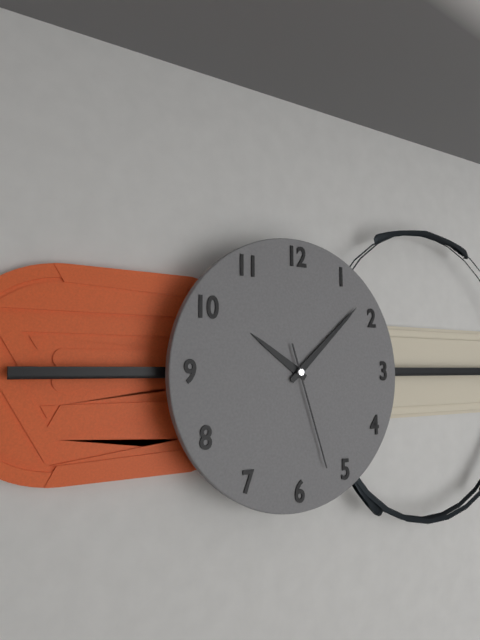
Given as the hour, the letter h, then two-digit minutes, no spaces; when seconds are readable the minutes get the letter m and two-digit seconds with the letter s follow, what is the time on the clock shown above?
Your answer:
10h08m27s
